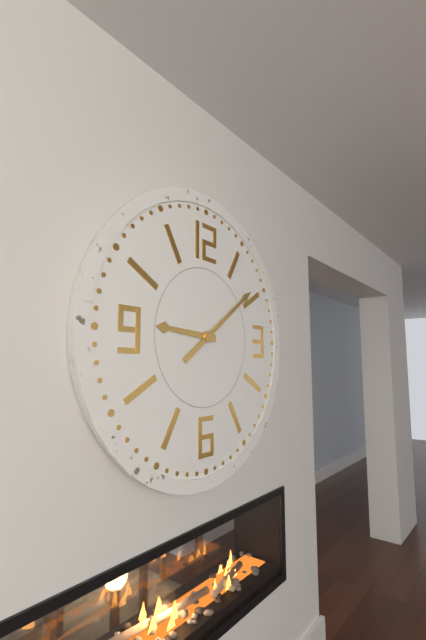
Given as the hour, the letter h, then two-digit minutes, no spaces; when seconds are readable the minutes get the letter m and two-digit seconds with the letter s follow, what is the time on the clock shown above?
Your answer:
9h09
